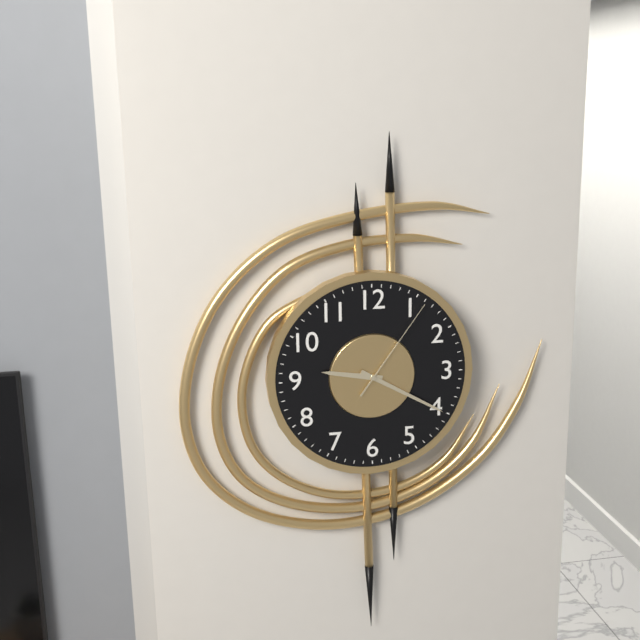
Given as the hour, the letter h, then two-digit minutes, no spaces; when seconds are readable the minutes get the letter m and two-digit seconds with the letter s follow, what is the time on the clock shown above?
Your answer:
9h20m06s
